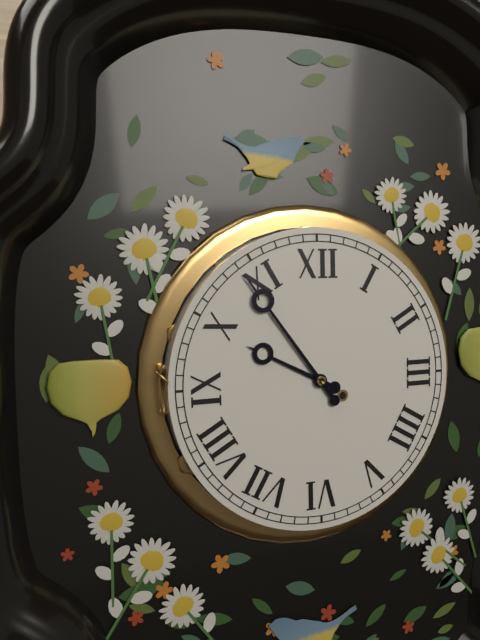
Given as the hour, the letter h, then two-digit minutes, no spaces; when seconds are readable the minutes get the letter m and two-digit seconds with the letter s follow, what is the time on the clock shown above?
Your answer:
9h54
